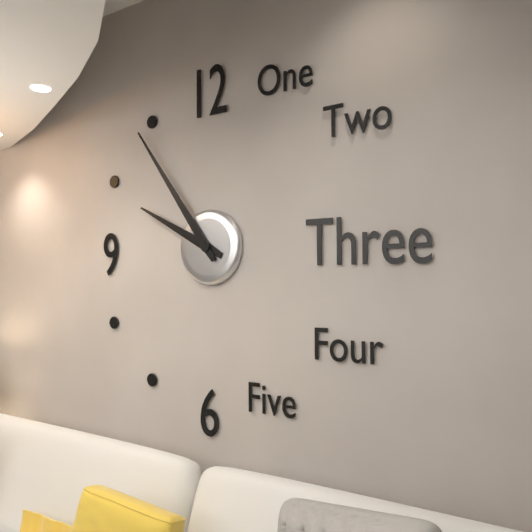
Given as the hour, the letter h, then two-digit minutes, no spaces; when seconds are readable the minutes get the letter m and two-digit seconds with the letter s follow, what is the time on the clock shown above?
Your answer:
9h54
